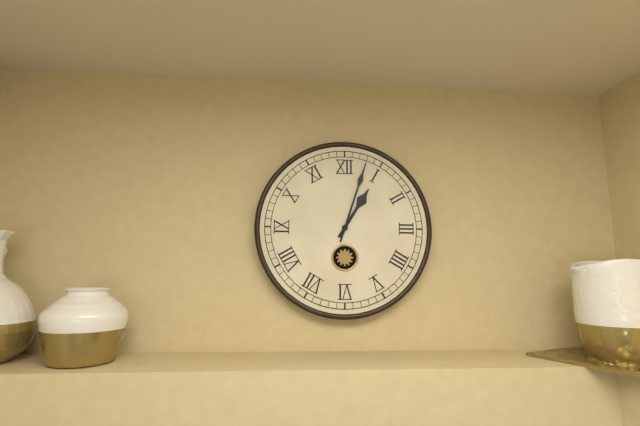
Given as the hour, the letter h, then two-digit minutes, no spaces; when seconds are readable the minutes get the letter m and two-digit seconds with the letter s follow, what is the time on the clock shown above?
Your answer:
1h03
